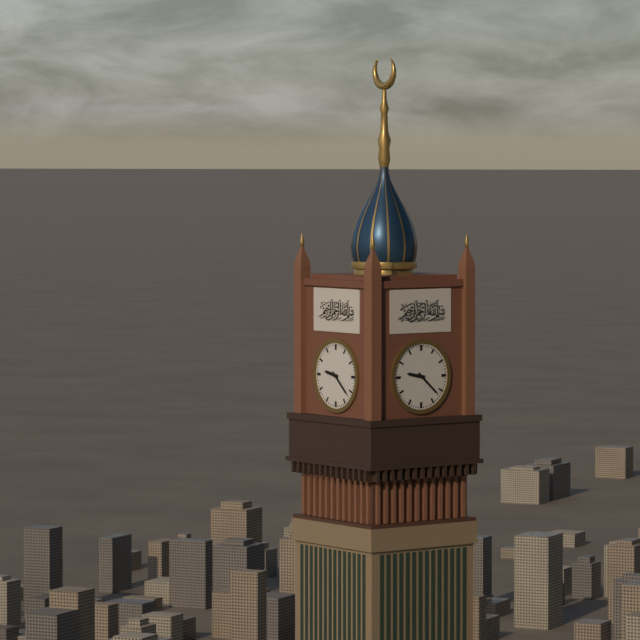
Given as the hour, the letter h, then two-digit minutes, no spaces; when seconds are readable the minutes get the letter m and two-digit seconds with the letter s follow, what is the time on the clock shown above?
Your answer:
9h22
